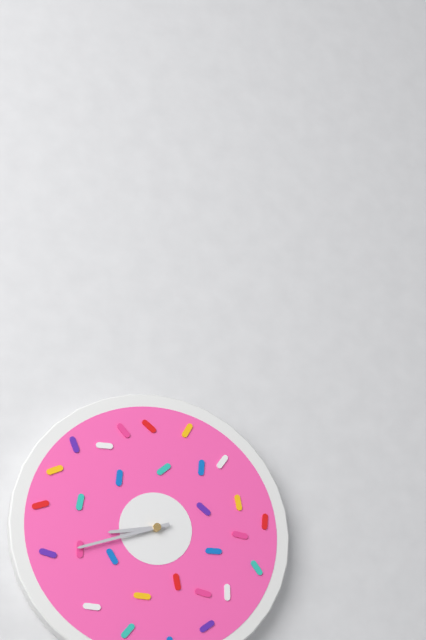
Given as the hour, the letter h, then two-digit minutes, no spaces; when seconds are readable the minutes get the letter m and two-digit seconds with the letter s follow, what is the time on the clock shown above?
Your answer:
8h42
